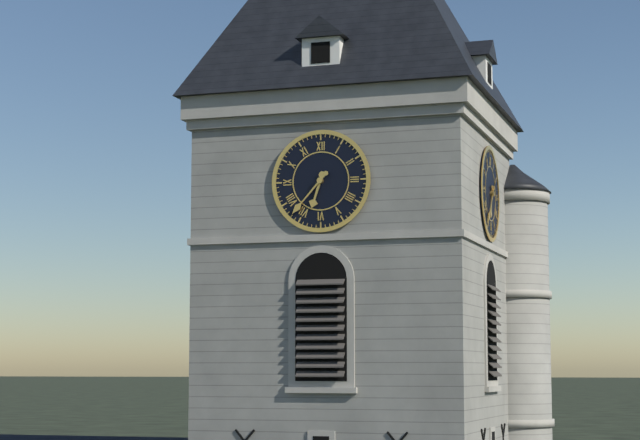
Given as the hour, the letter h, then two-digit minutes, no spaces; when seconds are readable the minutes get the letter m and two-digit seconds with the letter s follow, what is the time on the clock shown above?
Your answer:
6h37
